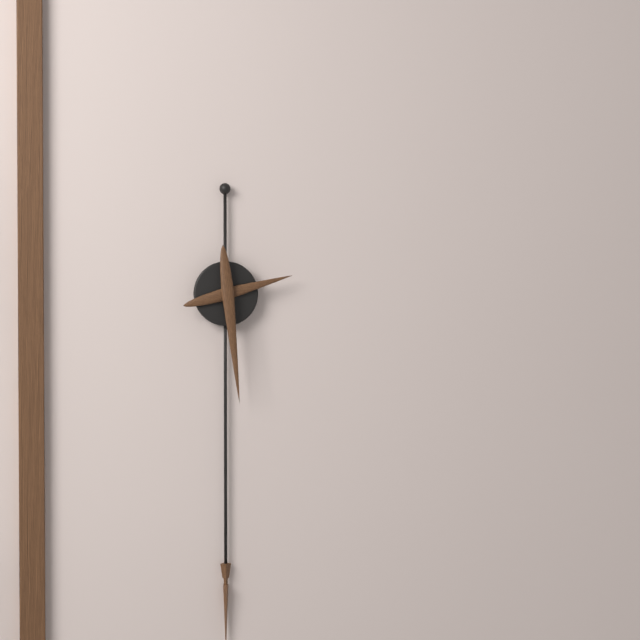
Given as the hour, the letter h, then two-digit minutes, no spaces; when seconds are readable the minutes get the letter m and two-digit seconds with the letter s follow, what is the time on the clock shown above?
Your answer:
2h29
